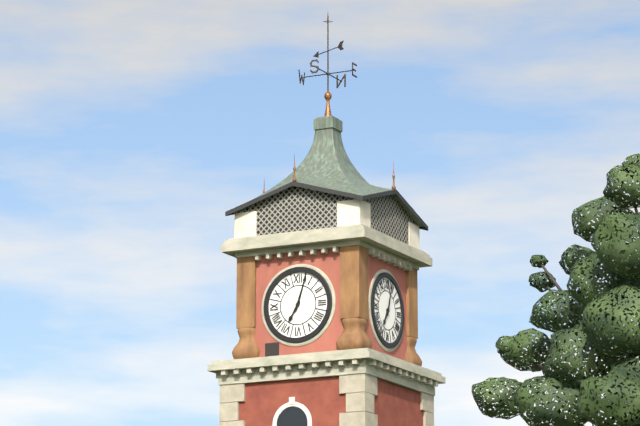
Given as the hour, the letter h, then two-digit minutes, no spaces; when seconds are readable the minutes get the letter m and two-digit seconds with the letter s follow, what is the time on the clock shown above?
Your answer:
7h03
